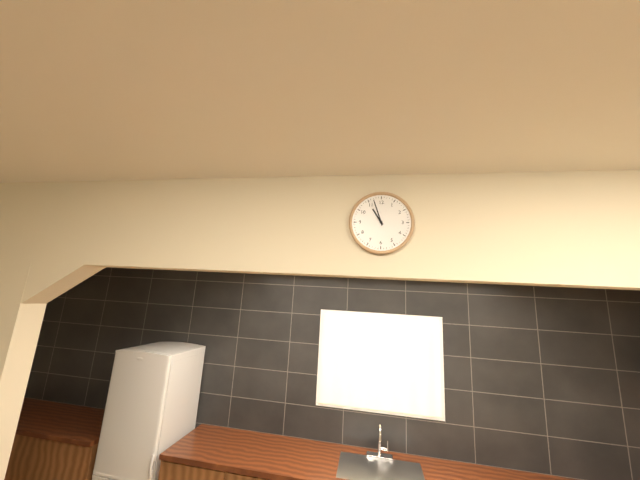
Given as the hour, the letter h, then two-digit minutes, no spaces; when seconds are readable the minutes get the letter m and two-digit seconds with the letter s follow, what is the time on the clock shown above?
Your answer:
10h57
